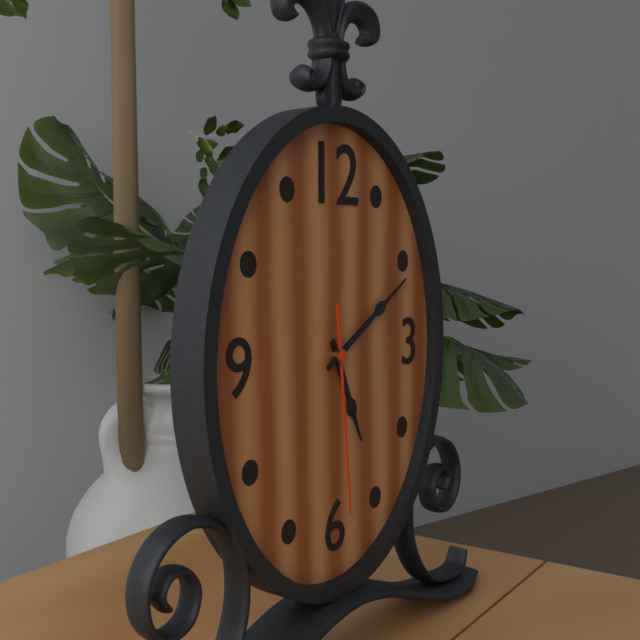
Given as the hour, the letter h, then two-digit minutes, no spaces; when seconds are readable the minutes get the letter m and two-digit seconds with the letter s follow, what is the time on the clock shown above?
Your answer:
5h10m29s
